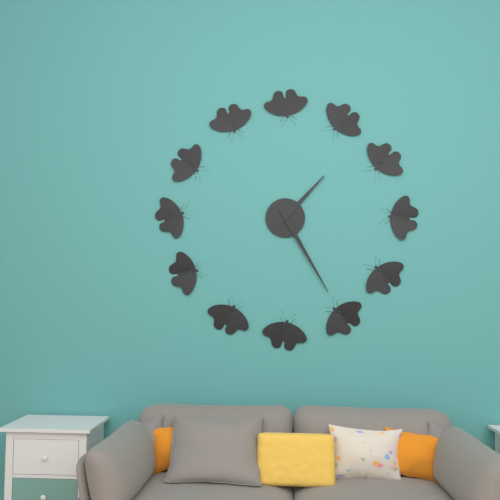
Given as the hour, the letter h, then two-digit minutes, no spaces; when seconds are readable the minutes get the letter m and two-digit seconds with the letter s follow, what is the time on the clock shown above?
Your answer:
1h25
